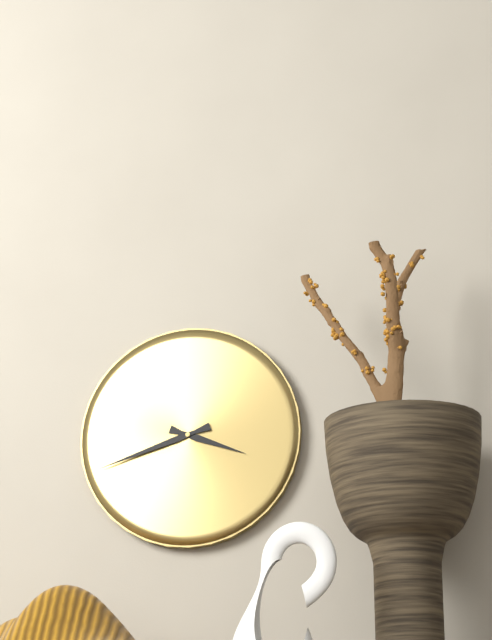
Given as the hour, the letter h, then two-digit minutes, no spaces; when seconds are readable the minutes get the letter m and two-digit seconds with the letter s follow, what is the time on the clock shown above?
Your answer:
3h42
